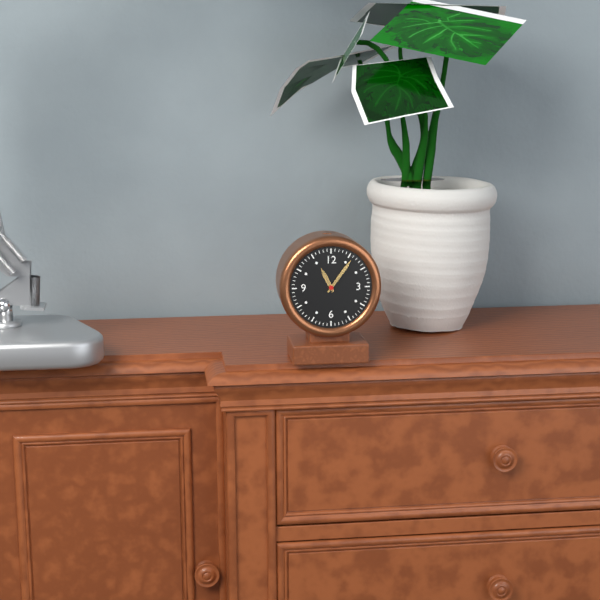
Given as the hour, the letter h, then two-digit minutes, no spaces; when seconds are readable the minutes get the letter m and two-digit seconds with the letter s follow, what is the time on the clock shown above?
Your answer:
11h06
